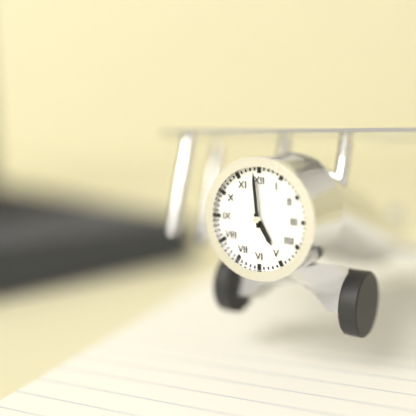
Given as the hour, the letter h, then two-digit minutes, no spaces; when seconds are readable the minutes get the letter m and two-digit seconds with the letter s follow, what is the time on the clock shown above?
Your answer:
4h59
